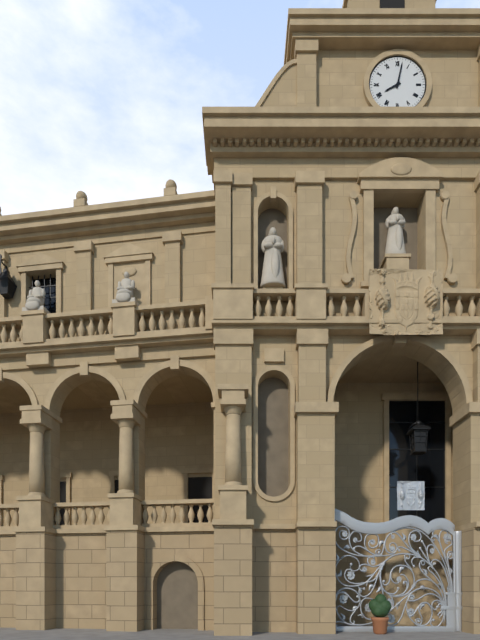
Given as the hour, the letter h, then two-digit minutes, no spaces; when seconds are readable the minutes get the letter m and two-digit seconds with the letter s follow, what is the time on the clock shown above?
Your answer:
8h02
